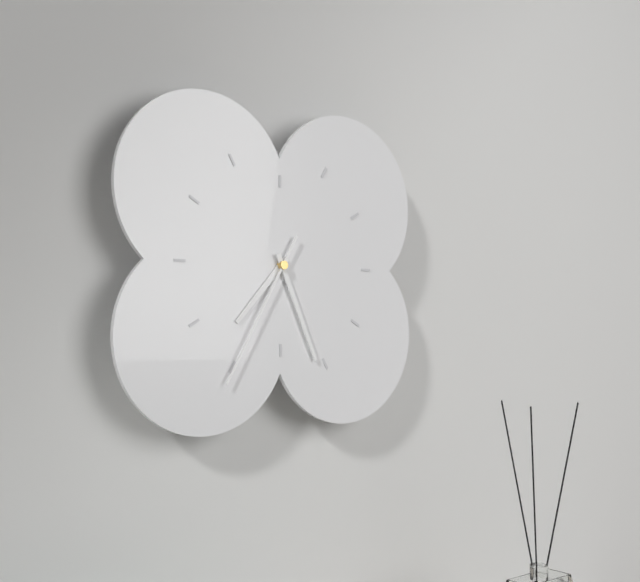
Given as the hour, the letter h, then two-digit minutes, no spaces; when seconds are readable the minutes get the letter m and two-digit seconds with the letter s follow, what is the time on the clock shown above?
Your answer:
7h26m35s
